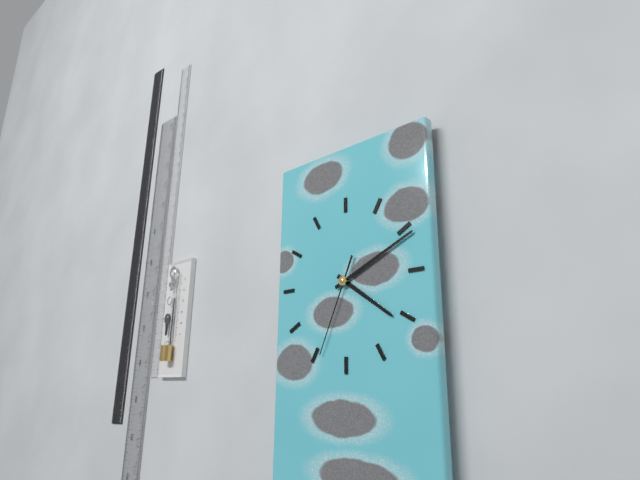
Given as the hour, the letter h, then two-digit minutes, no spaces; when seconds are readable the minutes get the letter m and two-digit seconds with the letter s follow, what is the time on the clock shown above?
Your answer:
4h11m34s
